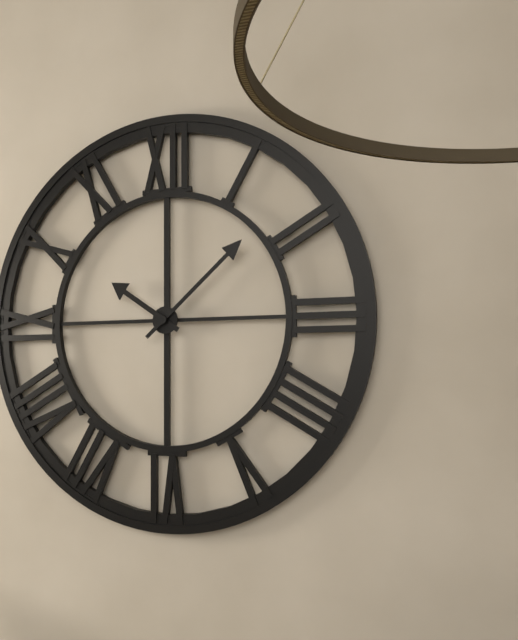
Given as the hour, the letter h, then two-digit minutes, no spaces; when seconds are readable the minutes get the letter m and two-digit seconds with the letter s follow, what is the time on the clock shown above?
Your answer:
10h08
